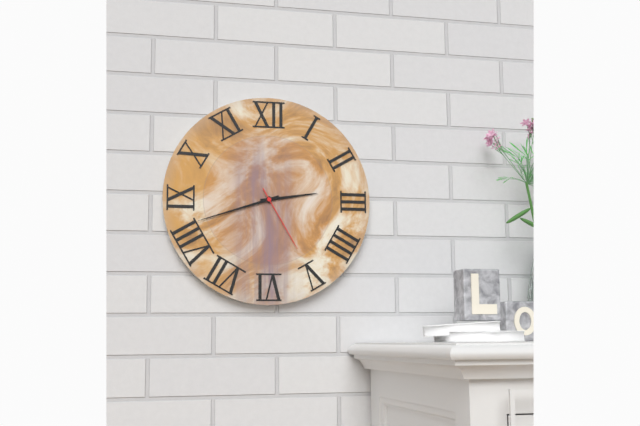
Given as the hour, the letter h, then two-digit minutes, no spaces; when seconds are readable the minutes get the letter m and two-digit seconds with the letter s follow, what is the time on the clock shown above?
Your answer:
2h42m25s
